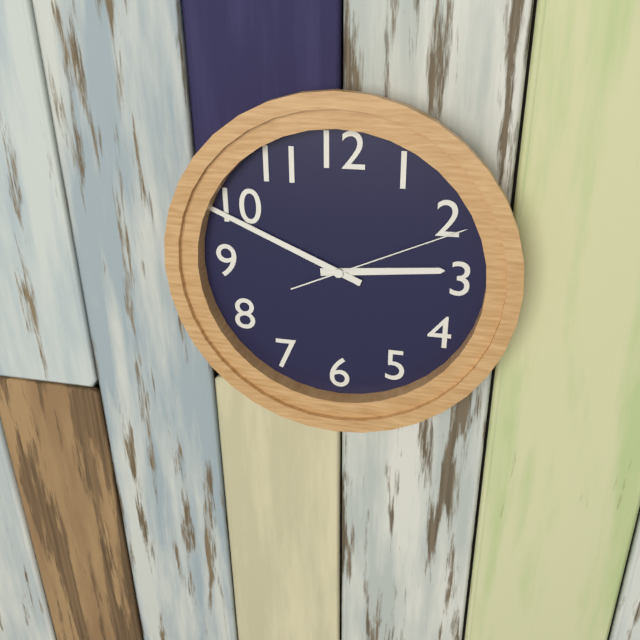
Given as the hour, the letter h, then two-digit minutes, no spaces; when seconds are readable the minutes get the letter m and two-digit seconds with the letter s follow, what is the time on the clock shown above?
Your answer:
2h49m11s
